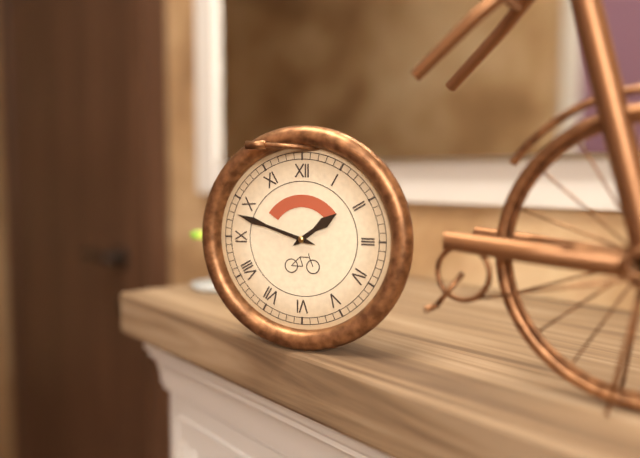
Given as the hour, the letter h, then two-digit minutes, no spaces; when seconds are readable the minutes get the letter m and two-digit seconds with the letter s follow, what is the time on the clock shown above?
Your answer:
1h48
